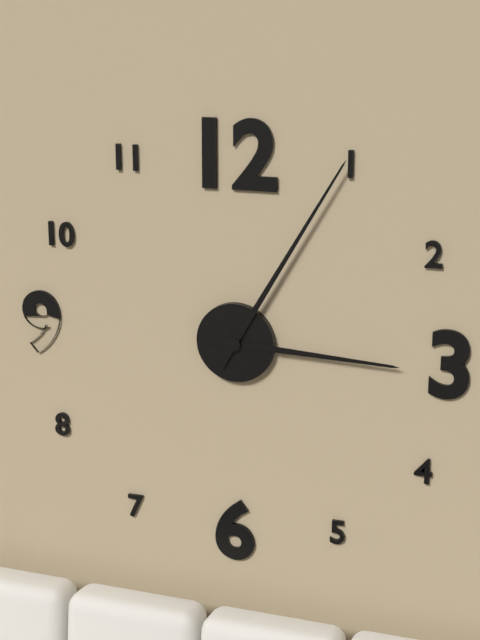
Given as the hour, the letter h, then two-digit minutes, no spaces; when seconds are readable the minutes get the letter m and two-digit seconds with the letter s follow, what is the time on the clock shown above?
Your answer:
3h05
